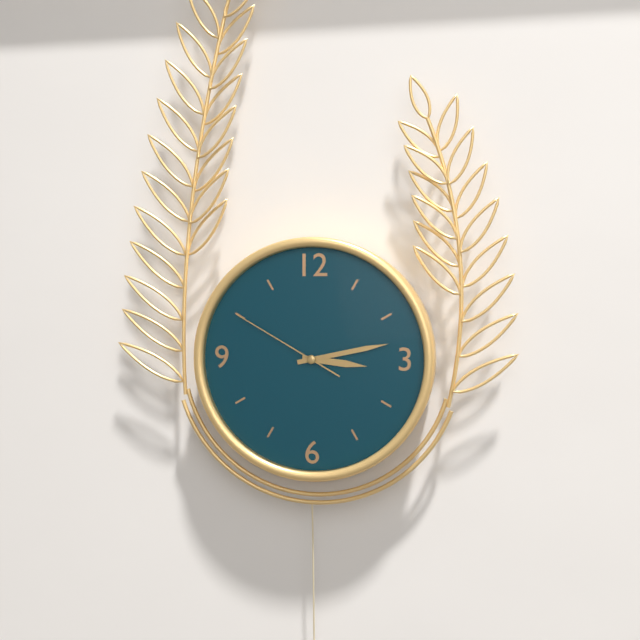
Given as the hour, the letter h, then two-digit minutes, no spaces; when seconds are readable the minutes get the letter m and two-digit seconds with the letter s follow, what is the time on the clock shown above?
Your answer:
3h13m50s
